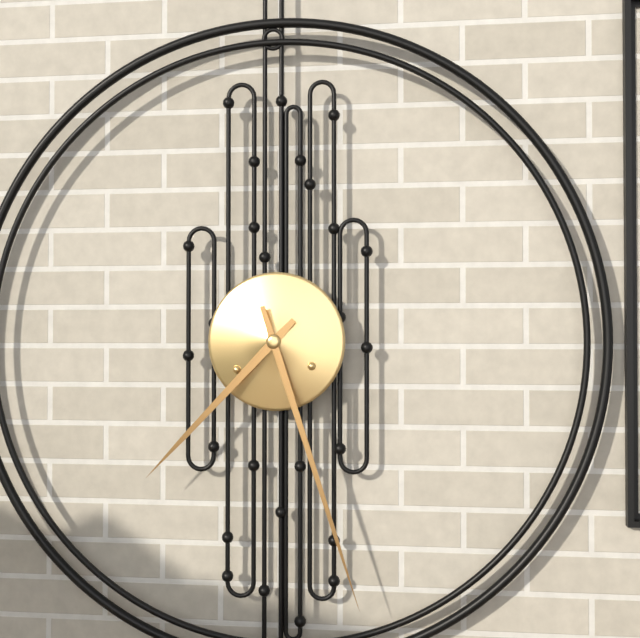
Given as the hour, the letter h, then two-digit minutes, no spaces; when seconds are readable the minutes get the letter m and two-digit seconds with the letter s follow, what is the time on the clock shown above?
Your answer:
7h27
